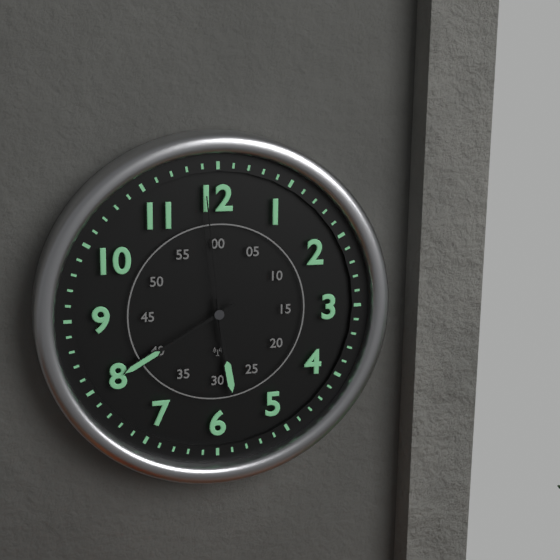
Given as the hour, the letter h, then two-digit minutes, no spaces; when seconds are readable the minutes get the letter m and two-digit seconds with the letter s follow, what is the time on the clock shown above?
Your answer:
5h40m59s
